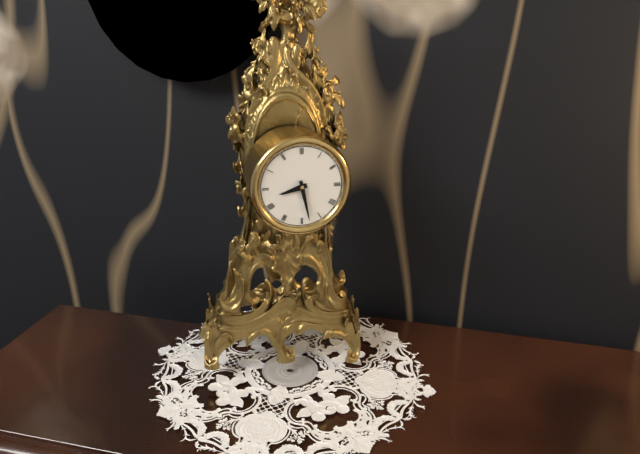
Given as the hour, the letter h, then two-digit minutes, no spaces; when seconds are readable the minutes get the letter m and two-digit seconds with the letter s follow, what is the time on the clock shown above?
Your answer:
8h28
